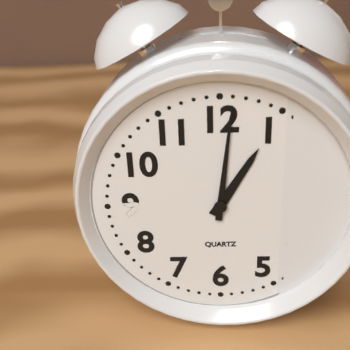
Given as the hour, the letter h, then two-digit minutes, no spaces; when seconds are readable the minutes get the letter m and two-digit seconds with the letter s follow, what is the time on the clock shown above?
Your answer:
1h01
